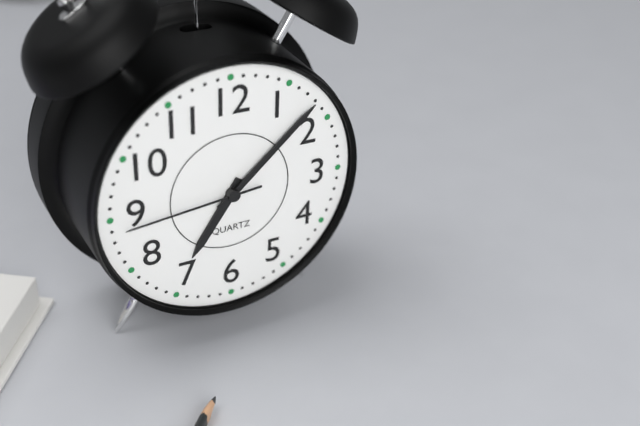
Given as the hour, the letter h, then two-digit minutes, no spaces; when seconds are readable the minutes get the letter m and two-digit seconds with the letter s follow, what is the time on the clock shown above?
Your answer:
7h08m44s
